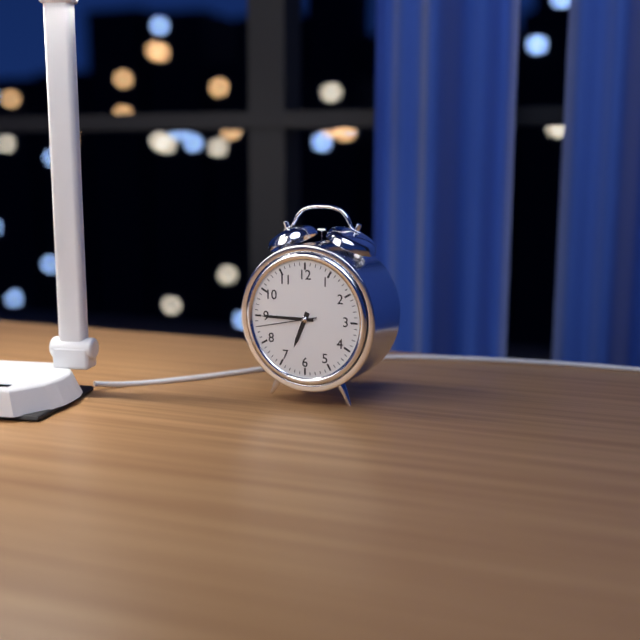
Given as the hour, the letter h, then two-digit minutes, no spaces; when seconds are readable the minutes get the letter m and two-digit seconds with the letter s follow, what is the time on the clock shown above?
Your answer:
6h45m43s
